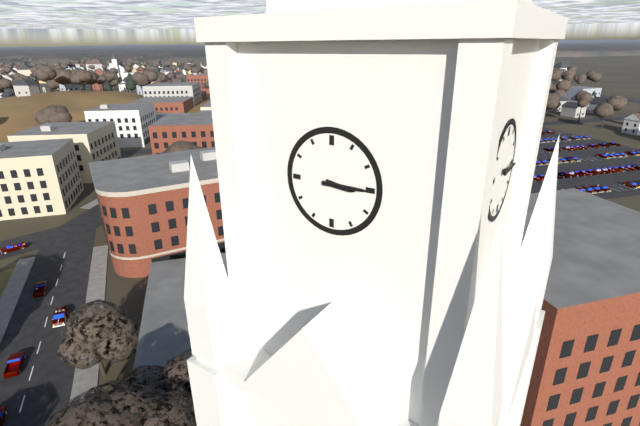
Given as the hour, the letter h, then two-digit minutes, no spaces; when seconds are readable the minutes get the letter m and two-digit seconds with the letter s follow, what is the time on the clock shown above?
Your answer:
3h15
